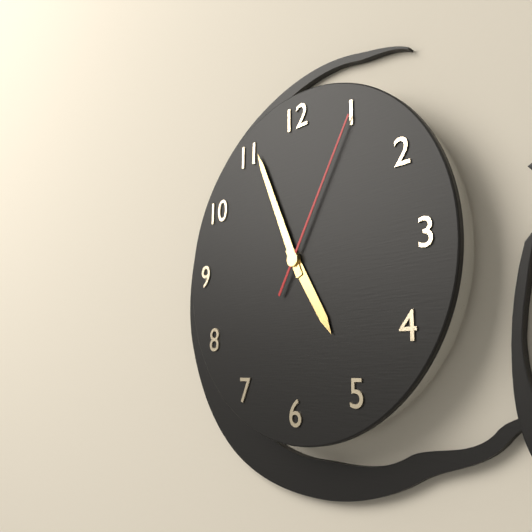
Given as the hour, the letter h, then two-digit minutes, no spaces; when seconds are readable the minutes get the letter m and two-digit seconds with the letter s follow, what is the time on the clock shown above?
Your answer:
4h56m05s
